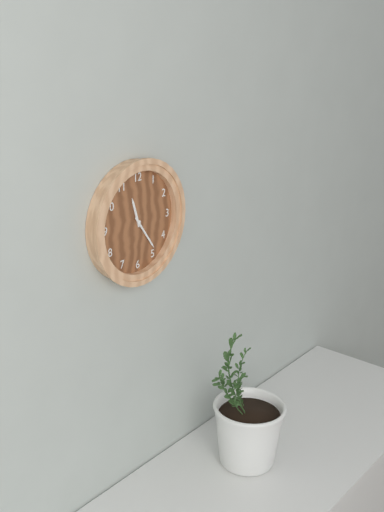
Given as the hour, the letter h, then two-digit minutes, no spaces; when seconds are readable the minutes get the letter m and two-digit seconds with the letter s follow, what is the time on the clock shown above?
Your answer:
11h24
